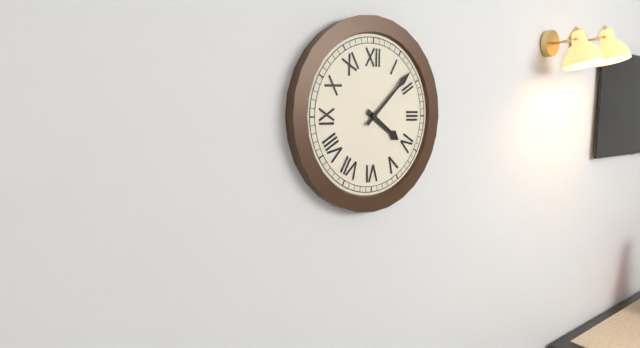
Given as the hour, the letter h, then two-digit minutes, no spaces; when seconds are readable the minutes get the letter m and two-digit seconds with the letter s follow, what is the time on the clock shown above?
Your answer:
4h08
